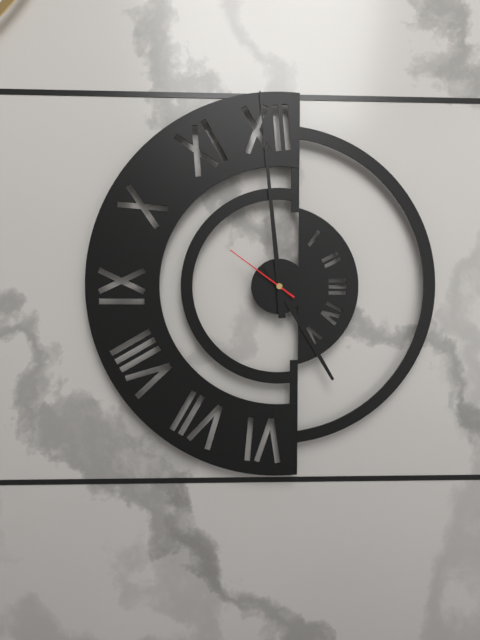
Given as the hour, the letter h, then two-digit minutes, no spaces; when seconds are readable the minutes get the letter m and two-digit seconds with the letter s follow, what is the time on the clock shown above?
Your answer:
4h59m51s
